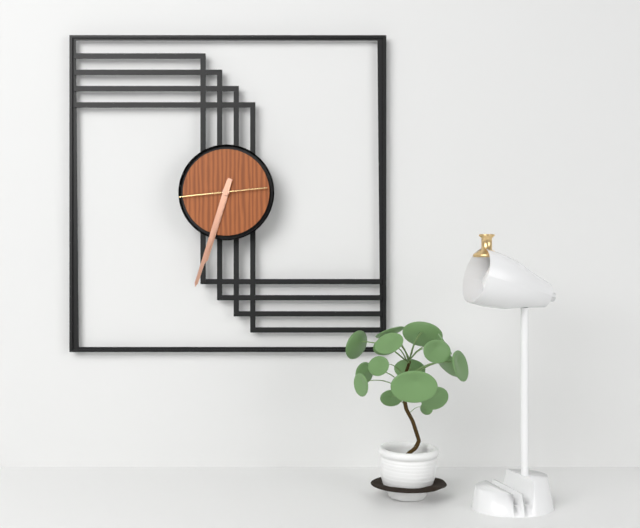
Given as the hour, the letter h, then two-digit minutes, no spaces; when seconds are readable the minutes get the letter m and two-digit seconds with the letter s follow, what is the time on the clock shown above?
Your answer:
6h33m44s
